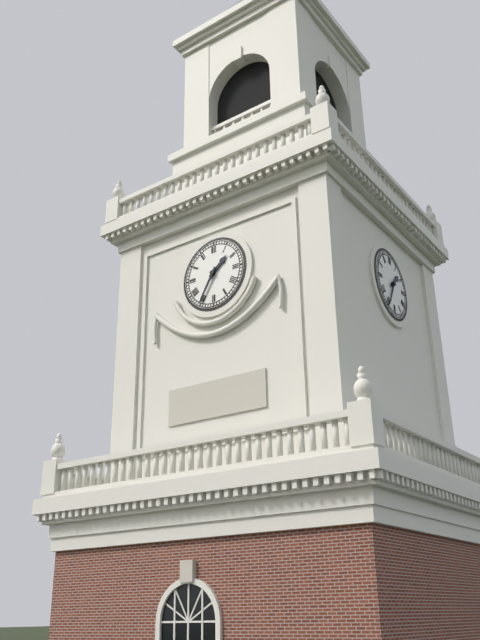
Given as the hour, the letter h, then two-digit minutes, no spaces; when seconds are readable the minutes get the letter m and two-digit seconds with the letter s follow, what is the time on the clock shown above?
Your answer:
1h35
